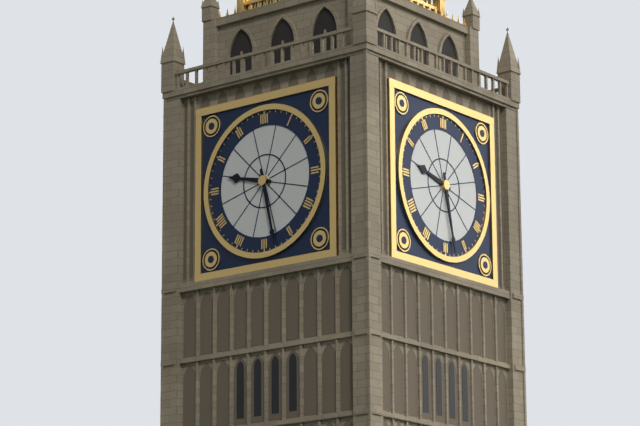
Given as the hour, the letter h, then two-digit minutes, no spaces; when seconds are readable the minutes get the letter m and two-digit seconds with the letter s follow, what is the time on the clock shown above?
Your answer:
9h28
